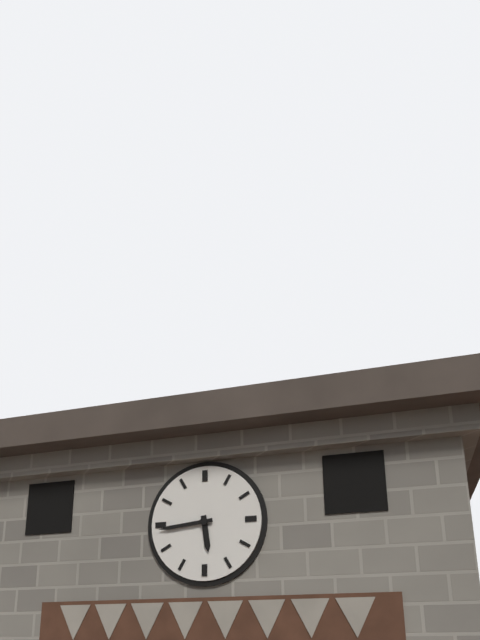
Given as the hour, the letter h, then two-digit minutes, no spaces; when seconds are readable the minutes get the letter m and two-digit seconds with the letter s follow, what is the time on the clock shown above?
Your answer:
5h44
